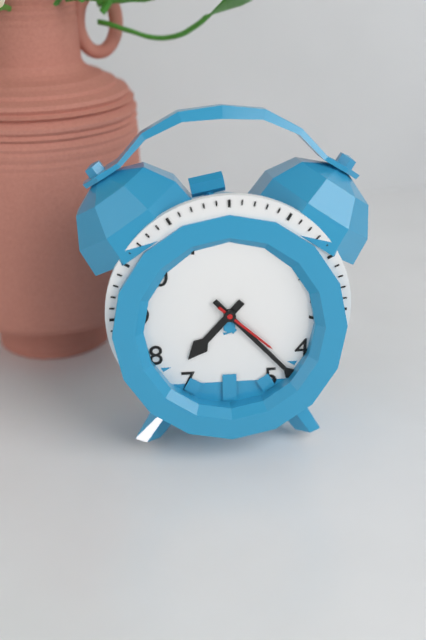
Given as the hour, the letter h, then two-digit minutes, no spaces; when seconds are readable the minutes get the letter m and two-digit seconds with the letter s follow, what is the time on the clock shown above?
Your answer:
7h23m22s
